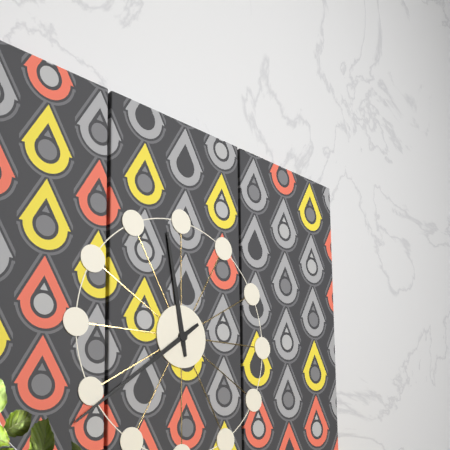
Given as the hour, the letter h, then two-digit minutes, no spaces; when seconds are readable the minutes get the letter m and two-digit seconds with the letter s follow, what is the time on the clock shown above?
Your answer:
11h39
